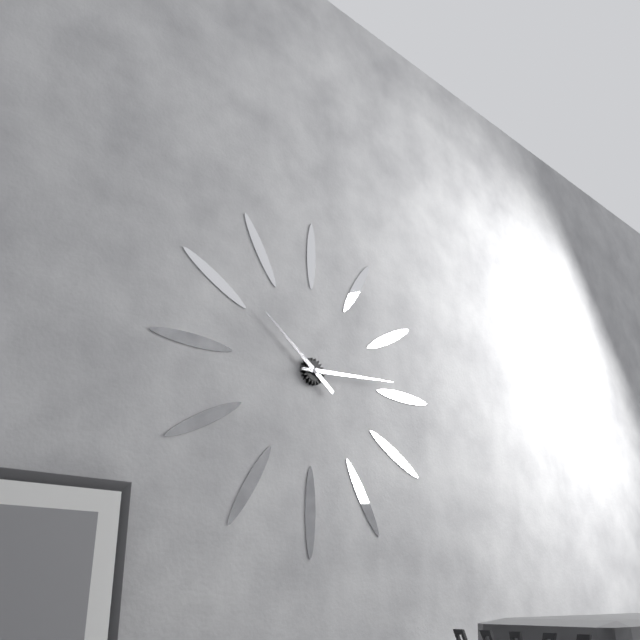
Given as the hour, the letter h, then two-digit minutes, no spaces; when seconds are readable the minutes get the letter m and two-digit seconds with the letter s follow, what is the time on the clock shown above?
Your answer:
10h14
